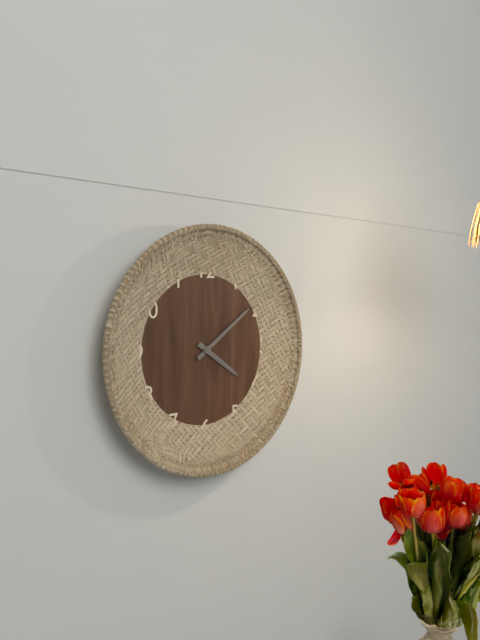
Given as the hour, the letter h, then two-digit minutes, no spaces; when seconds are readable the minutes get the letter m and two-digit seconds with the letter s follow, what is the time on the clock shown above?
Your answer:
4h09
